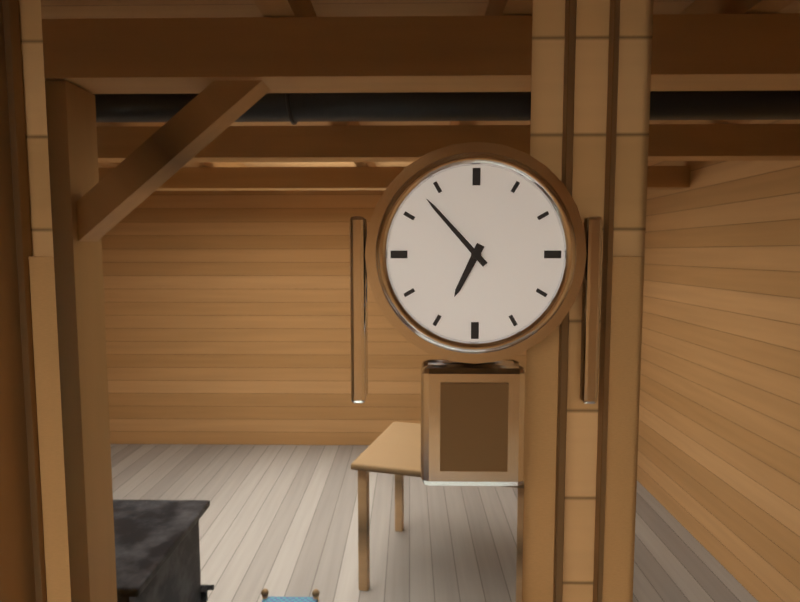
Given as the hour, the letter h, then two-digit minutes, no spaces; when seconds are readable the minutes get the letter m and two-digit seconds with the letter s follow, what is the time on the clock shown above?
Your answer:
6h53
